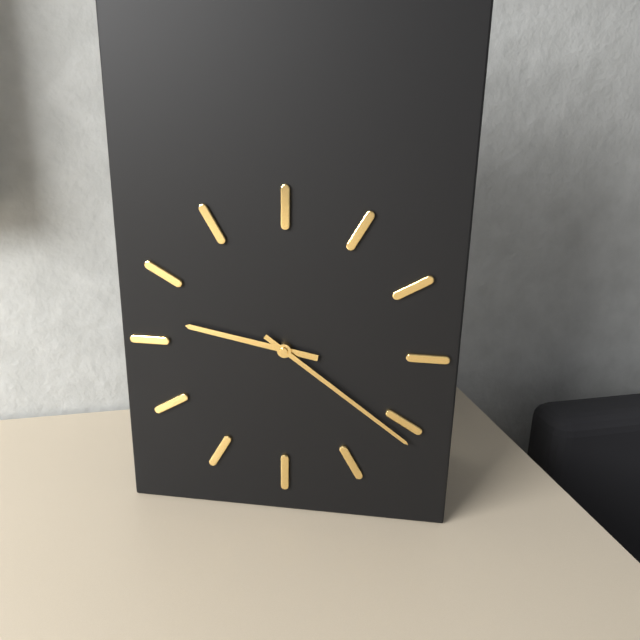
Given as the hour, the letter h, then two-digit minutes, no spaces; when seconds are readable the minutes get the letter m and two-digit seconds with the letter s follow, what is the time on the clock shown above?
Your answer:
9h21
